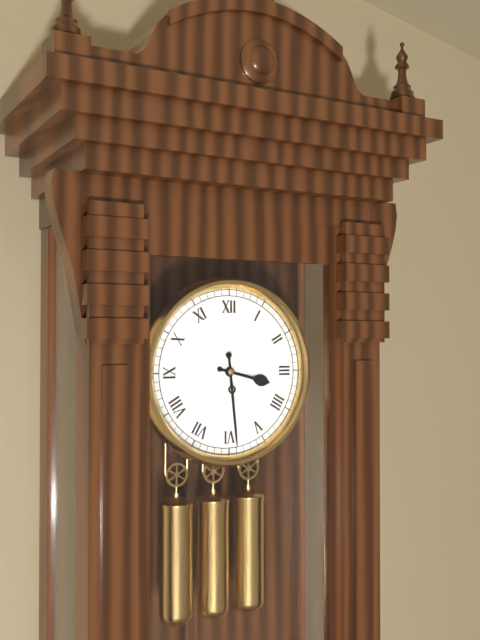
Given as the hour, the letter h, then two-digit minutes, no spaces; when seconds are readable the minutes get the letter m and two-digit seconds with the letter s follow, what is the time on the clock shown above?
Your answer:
3h29
